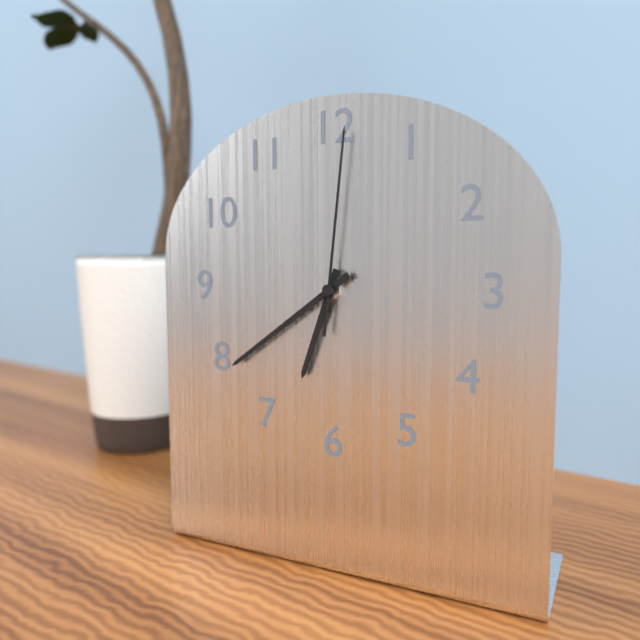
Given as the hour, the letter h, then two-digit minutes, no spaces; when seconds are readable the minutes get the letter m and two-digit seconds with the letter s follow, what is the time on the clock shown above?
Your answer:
6h39m01s
